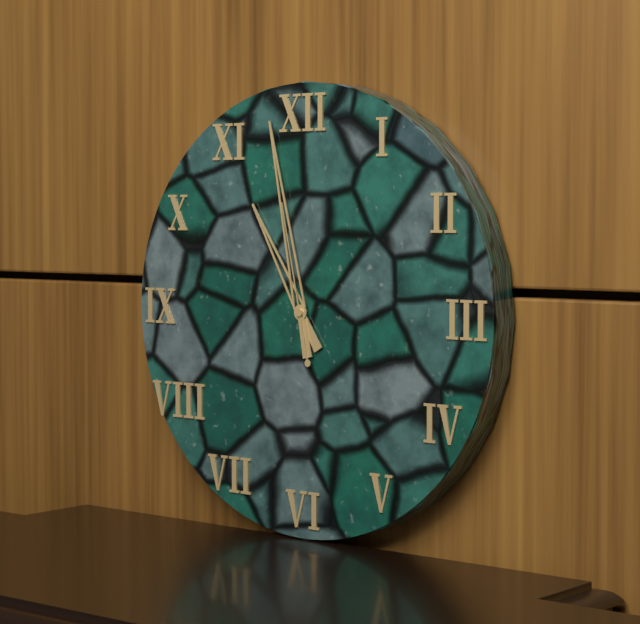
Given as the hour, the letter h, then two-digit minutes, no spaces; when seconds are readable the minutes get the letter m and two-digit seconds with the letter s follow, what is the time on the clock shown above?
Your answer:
10h58m58s
